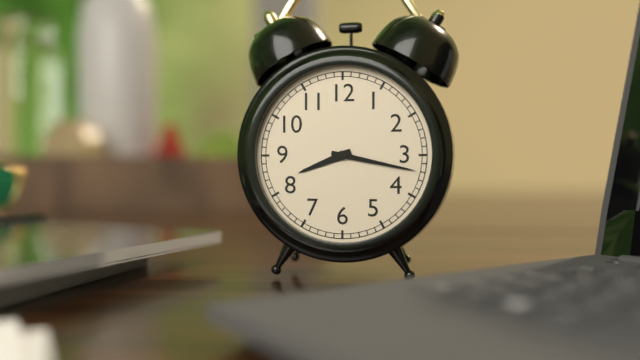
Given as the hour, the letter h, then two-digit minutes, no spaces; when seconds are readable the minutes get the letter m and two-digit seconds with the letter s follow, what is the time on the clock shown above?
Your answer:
8h17
